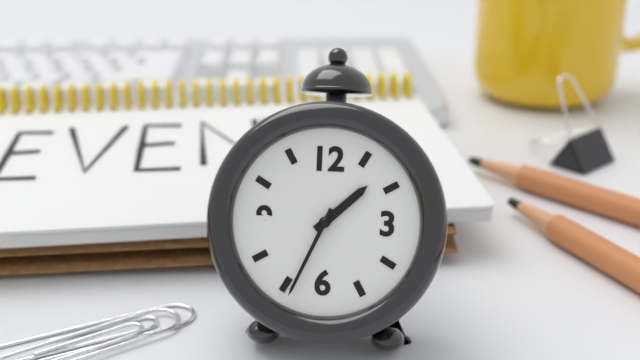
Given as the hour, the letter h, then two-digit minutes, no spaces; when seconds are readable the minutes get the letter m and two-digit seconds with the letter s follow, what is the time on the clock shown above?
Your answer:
1h34
